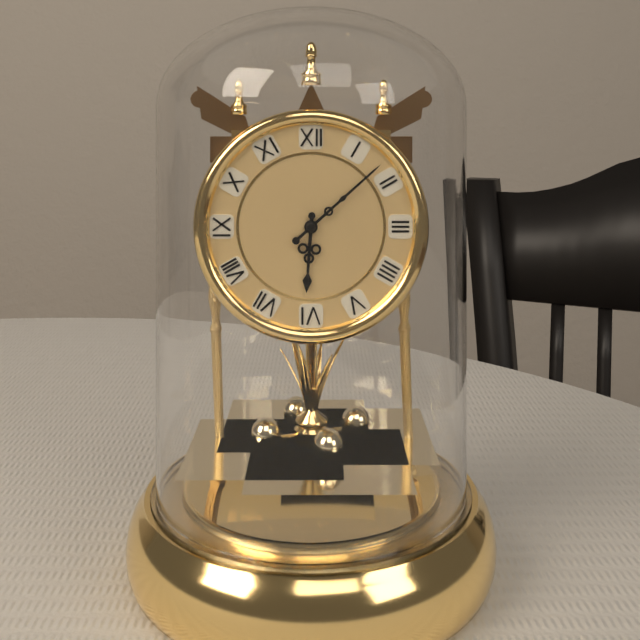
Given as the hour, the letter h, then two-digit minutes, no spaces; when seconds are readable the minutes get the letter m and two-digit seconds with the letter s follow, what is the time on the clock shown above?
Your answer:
6h08
